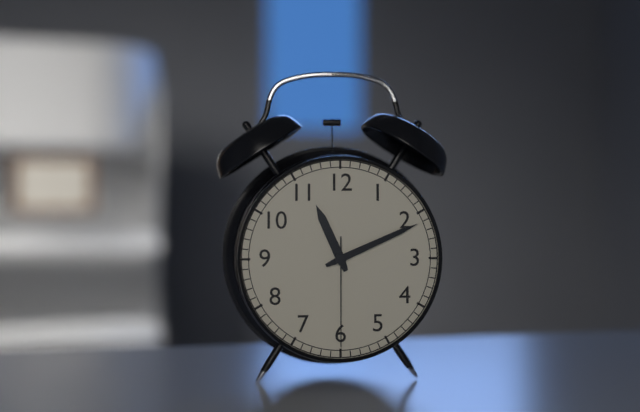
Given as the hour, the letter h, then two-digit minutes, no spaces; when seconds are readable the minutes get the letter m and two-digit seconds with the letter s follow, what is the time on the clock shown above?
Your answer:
11h11m30s
